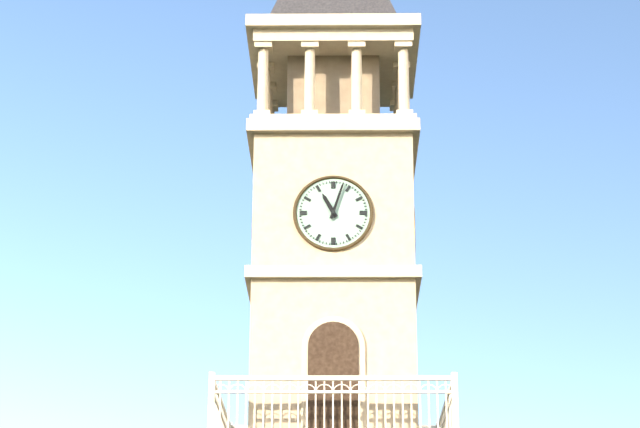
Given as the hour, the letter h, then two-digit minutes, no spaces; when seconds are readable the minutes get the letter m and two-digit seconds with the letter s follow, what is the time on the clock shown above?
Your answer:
11h03
